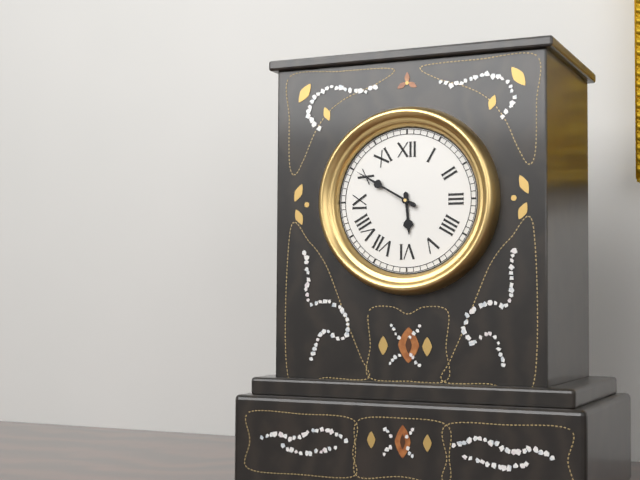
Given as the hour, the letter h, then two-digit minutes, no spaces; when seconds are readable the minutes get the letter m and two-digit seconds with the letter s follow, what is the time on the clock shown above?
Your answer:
5h50
